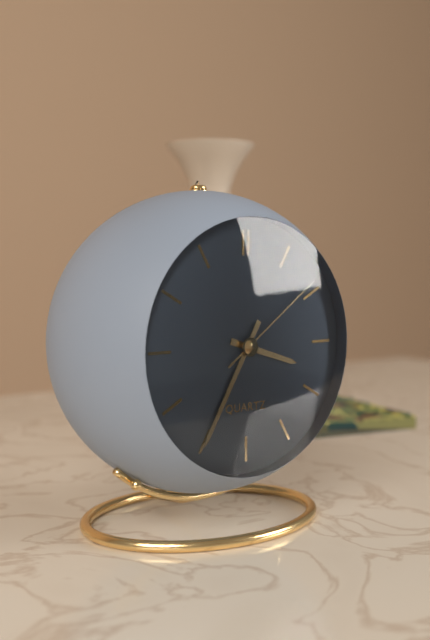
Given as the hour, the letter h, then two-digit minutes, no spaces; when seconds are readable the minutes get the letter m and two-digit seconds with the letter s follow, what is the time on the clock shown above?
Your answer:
3h35m09s
